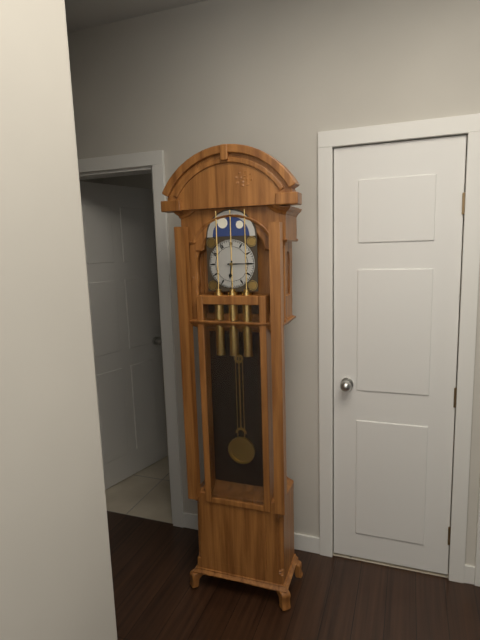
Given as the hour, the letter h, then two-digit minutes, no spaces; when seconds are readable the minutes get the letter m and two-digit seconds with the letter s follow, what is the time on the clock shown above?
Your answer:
6h15
